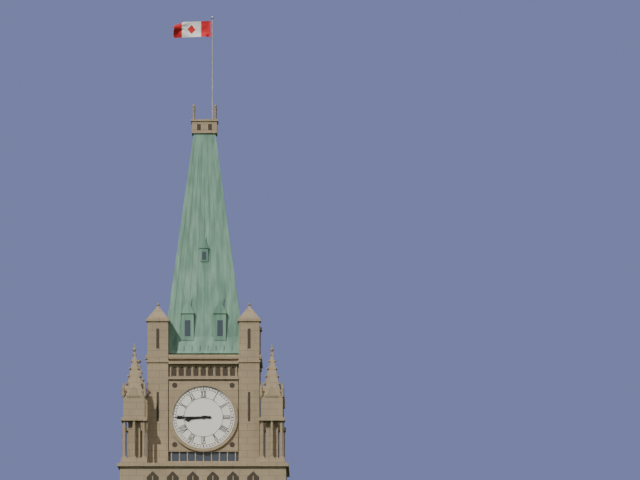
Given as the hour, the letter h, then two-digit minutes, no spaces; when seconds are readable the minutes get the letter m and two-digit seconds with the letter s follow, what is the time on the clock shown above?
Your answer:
8h45
